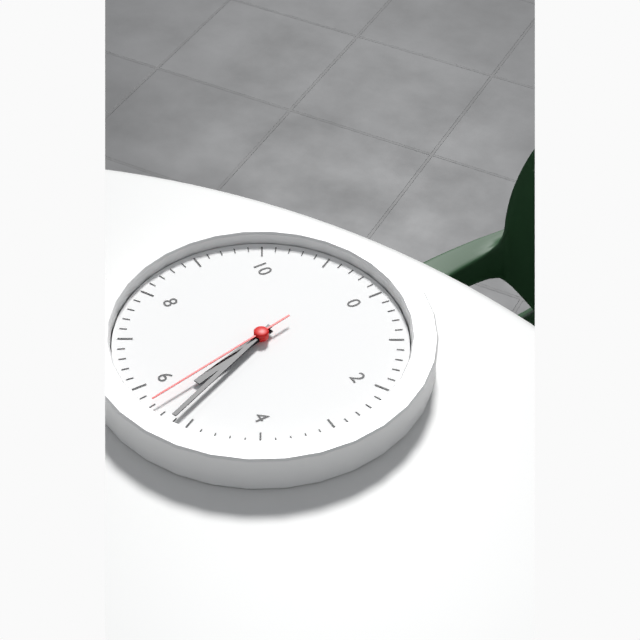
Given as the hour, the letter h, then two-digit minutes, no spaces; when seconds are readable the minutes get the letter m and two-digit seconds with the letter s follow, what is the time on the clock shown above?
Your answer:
5h26m28s
